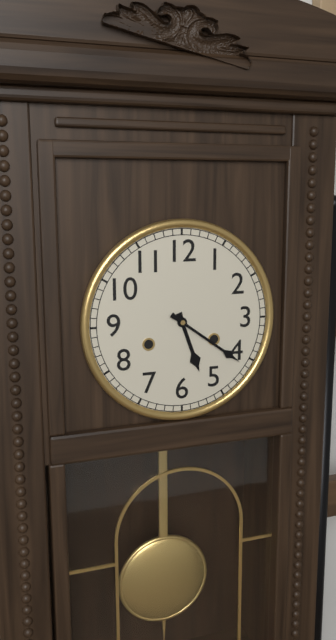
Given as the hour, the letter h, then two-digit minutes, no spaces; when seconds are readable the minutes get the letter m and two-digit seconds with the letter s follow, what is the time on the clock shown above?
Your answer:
5h21
